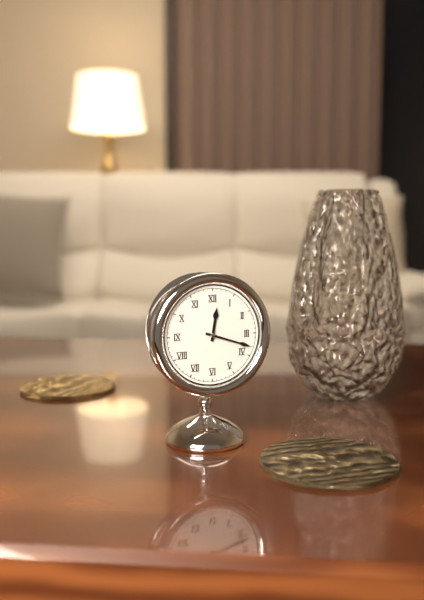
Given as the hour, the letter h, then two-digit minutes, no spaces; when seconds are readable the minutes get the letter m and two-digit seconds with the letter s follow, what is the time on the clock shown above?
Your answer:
12h18
